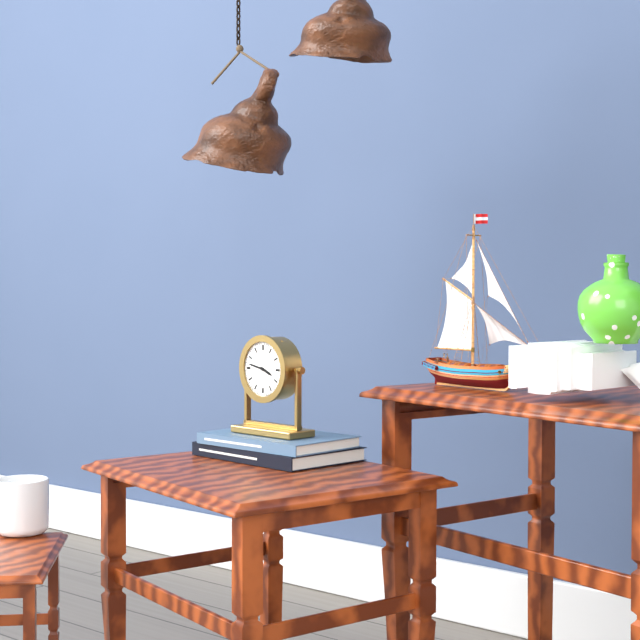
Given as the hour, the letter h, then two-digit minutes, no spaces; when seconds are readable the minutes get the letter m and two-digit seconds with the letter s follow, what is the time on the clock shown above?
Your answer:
3h47
